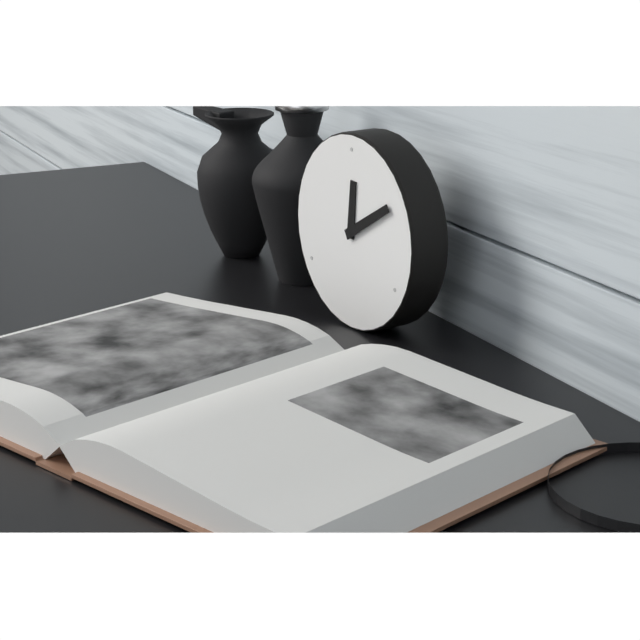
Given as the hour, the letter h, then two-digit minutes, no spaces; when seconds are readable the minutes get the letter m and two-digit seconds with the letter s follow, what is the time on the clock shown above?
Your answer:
12h10
